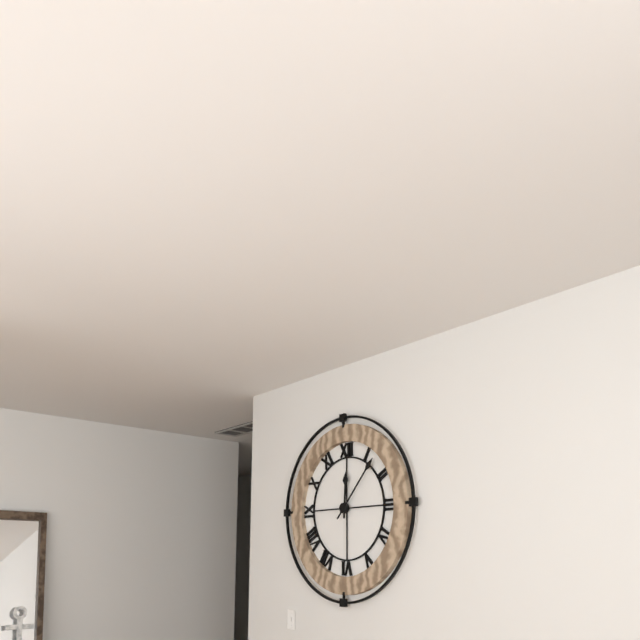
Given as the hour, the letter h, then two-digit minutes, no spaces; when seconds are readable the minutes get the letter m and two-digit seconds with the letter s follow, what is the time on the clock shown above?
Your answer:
12h07
